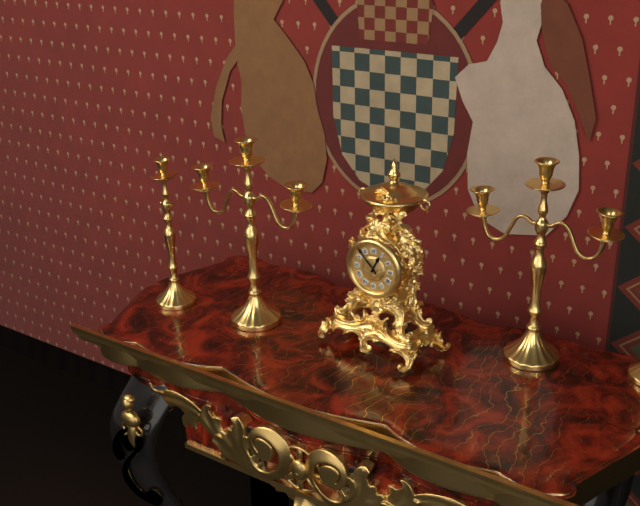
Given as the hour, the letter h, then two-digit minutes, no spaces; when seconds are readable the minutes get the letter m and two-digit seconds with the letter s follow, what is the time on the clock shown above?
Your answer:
12h53
